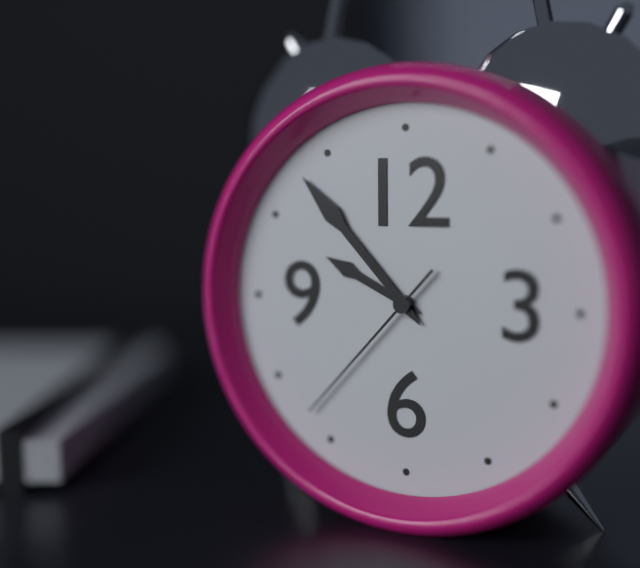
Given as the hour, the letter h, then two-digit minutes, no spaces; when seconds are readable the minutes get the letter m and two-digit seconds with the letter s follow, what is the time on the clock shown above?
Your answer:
9h53m37s
